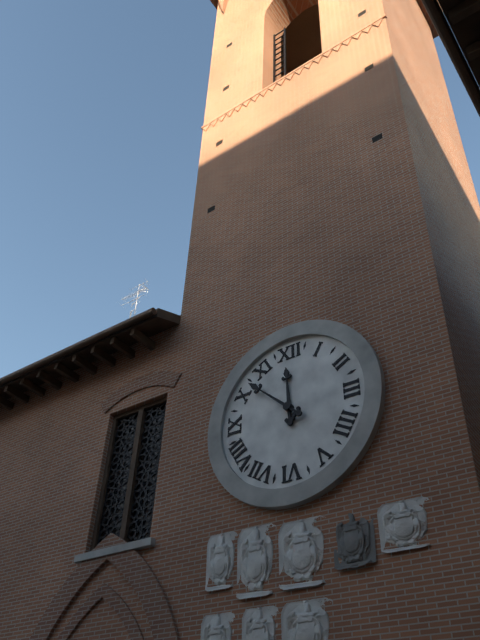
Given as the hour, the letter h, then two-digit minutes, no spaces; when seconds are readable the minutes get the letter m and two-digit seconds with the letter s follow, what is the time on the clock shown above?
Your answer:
11h52
